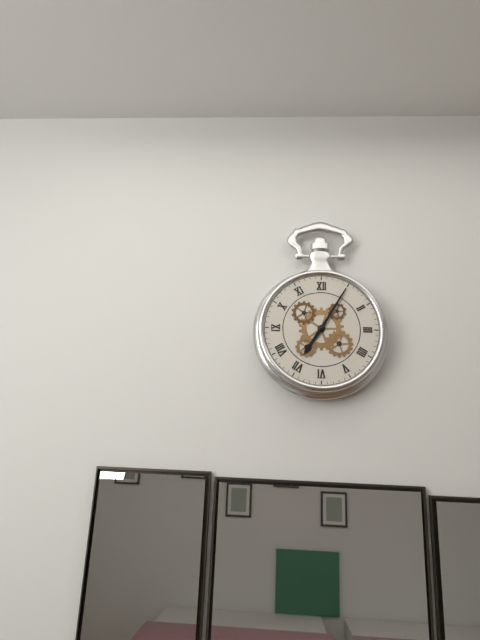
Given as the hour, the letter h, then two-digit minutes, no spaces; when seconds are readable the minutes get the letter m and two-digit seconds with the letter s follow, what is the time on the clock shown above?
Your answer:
7h05
